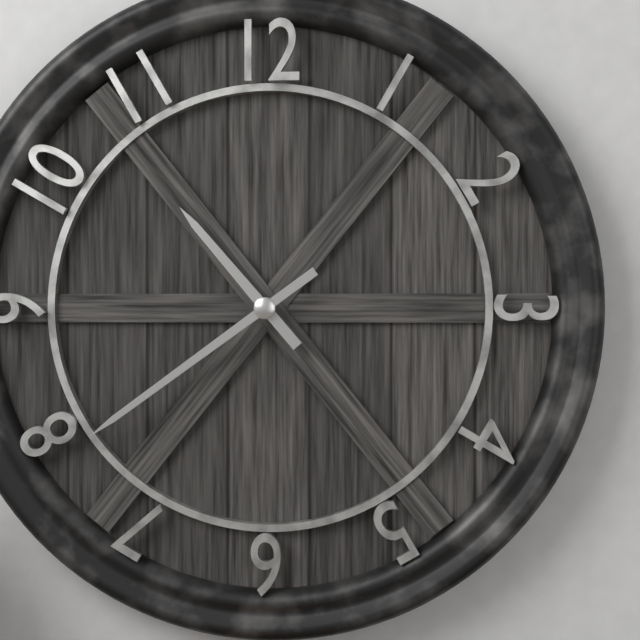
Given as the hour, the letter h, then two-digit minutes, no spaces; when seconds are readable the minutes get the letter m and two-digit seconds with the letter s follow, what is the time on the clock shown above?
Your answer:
10h39
